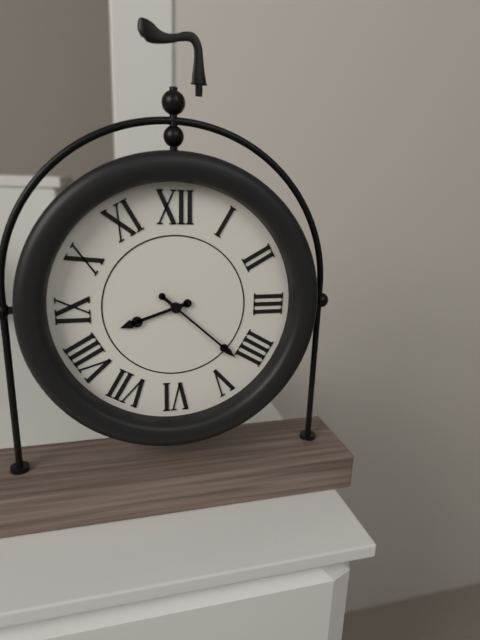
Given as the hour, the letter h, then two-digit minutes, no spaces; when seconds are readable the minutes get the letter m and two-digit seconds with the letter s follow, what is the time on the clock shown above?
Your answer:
8h22
